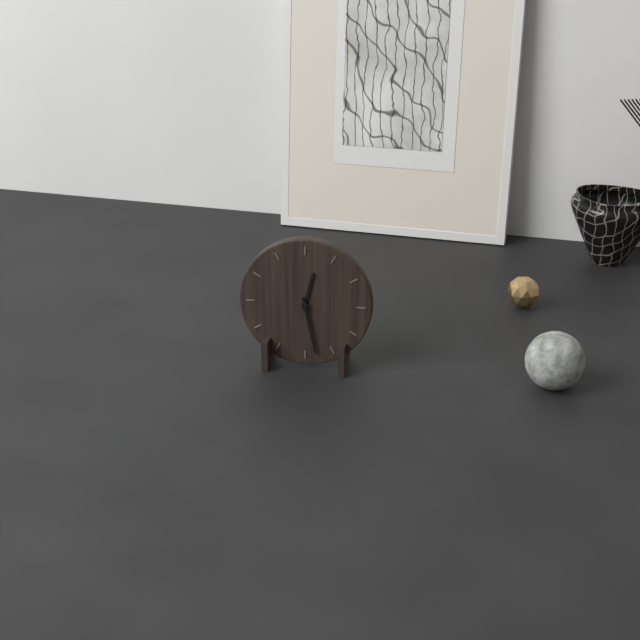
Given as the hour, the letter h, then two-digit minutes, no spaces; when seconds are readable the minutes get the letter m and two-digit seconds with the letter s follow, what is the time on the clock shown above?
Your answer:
12h28
